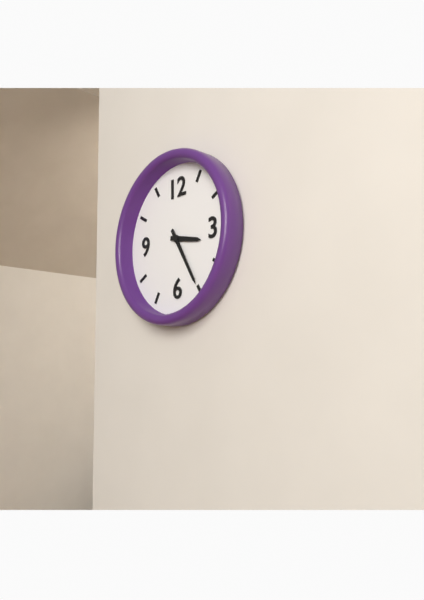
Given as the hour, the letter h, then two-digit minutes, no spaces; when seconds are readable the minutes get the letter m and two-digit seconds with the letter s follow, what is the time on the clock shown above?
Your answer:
3h25
